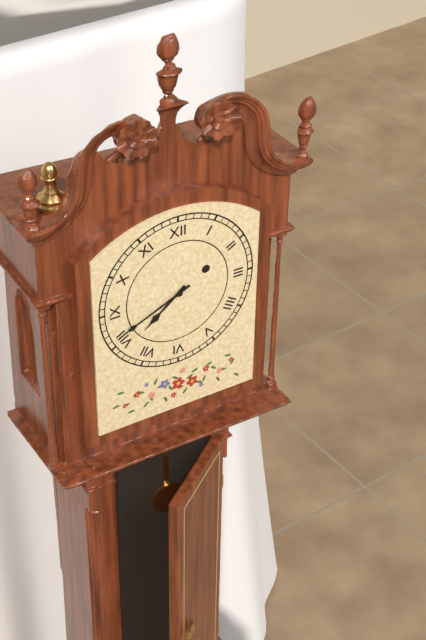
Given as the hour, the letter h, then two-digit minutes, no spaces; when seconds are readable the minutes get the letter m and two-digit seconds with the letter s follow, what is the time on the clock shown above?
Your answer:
7h41
